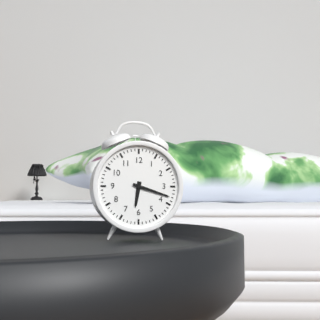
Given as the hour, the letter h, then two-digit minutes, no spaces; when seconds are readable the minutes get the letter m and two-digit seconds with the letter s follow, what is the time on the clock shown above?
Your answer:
6h18
